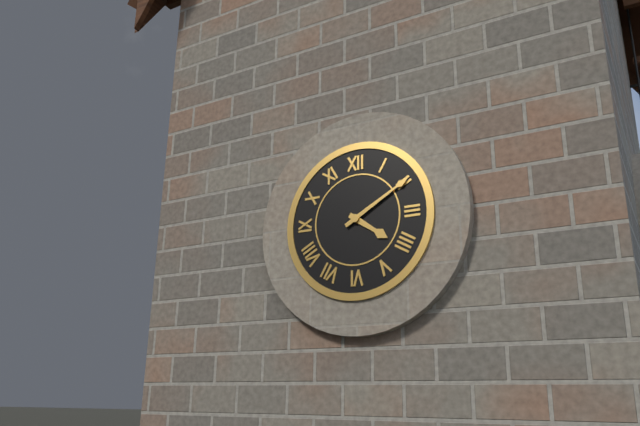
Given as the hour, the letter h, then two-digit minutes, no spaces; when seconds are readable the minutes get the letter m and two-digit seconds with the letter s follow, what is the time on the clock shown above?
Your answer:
4h10
